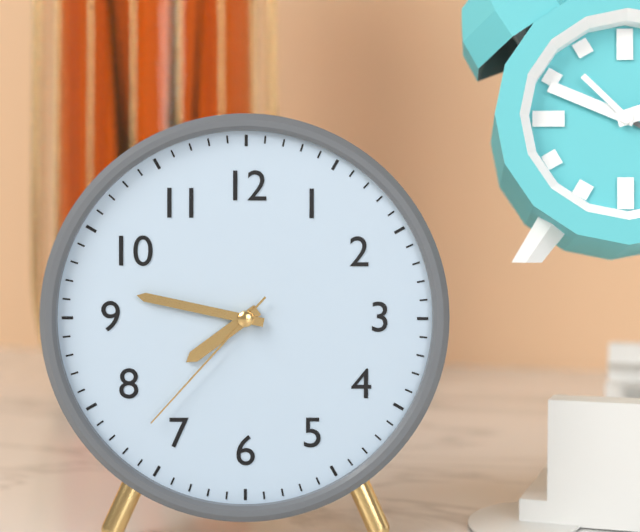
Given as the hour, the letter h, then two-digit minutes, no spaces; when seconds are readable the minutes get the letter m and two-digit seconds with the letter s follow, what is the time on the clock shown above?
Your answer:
7h47m37s
